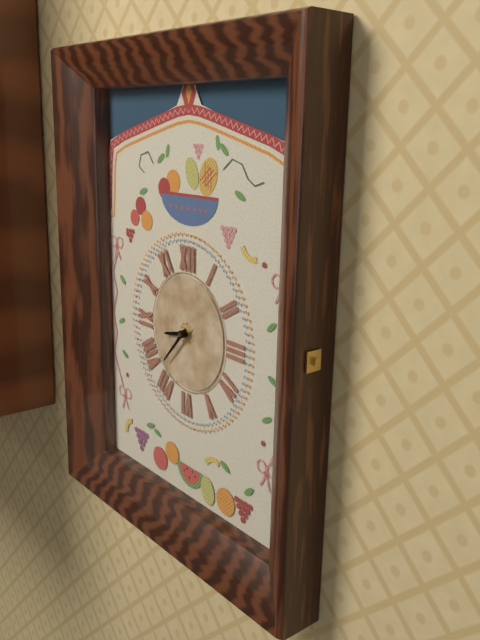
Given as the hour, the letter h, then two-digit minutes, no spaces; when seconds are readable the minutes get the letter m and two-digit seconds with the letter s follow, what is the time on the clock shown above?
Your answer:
8h37
